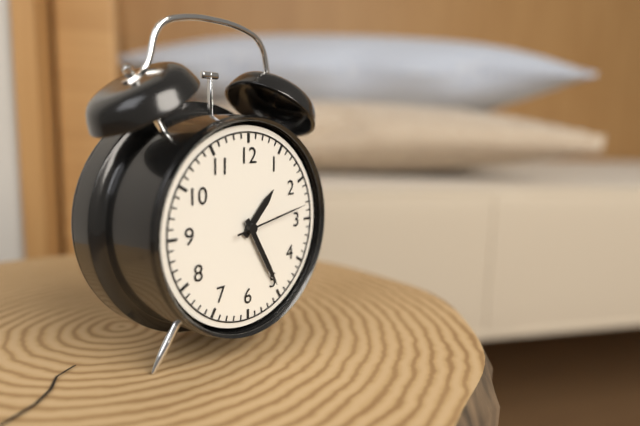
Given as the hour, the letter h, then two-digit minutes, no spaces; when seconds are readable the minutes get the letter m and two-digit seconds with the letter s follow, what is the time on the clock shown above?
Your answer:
1h25m13s
